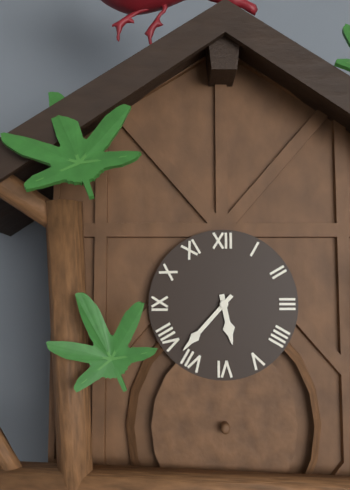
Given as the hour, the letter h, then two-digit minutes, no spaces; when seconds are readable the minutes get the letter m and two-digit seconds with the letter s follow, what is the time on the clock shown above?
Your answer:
5h37
